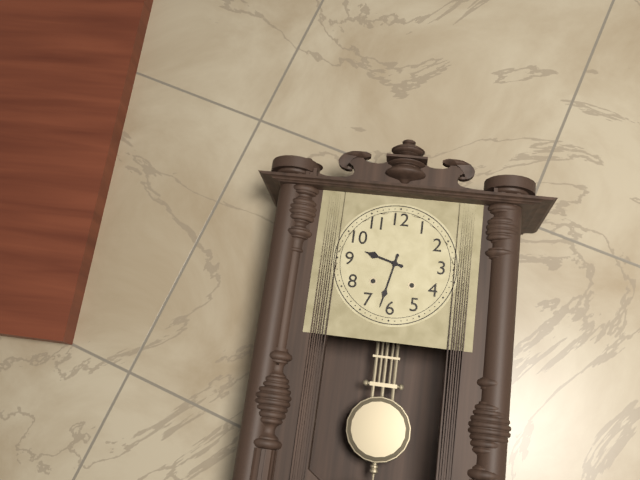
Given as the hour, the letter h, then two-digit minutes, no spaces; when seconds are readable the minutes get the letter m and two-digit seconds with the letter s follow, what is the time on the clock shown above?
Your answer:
9h32
